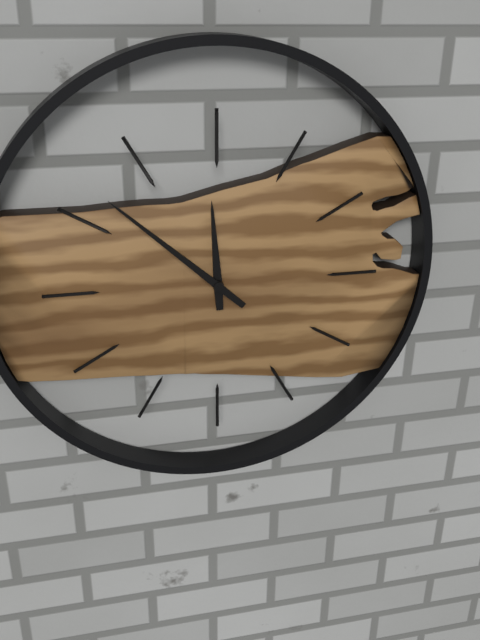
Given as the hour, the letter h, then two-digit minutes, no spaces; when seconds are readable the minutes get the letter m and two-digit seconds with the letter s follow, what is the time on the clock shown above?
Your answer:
11h52
